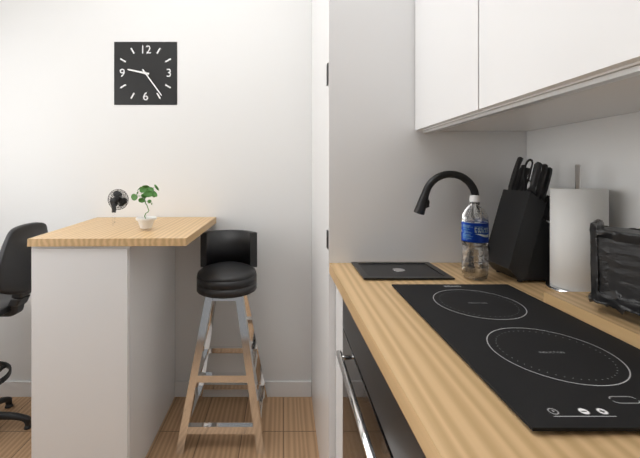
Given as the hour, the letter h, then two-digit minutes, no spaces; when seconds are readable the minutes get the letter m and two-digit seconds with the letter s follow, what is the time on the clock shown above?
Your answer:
9h24
